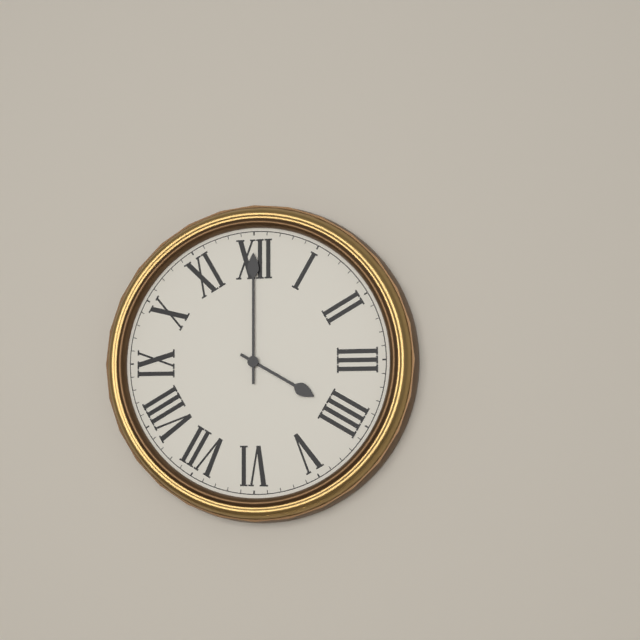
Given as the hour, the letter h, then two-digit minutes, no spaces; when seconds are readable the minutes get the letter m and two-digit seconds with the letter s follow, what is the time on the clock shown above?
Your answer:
4h00
